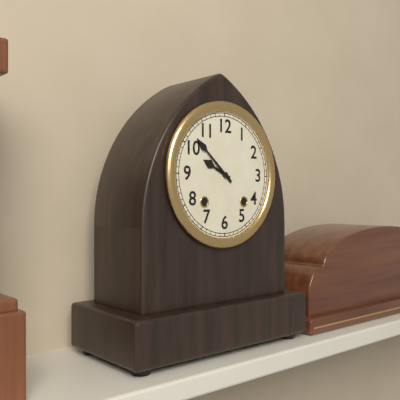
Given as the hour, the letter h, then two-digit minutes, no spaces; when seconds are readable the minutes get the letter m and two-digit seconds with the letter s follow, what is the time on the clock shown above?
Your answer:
9h52
